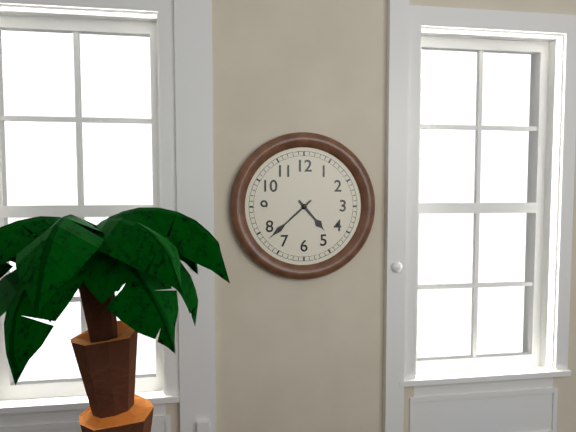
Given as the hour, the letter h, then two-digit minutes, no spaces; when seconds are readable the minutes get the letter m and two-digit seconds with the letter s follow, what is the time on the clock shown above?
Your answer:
4h38
